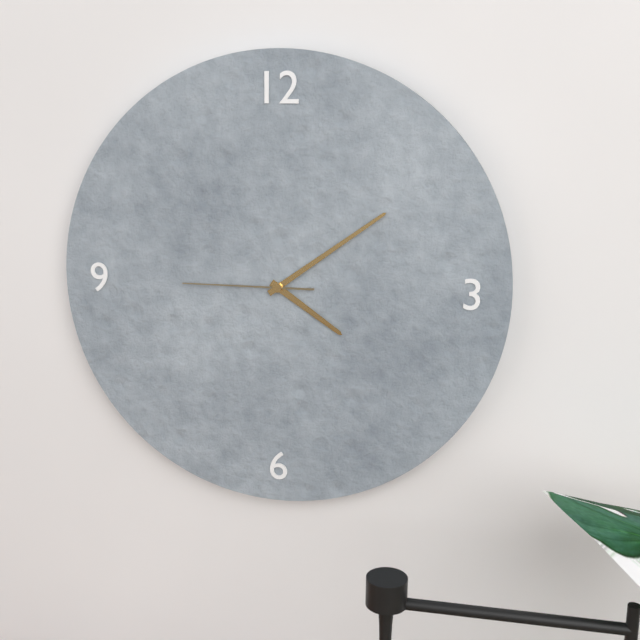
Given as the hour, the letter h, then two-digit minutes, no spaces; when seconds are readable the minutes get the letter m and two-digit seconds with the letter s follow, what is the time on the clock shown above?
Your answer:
4h09m45s
